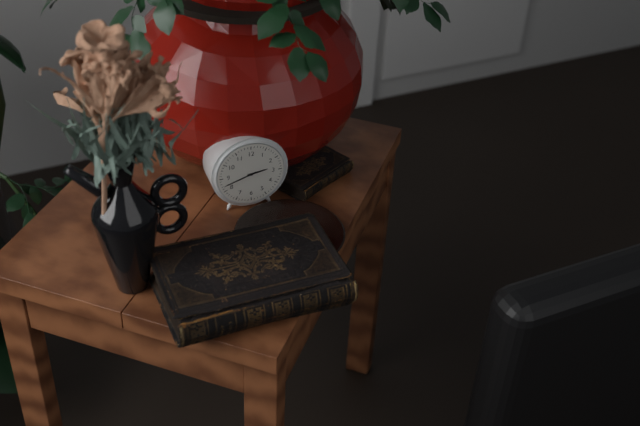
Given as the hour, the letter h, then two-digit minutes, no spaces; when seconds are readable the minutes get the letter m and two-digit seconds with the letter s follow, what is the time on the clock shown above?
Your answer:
2h42
